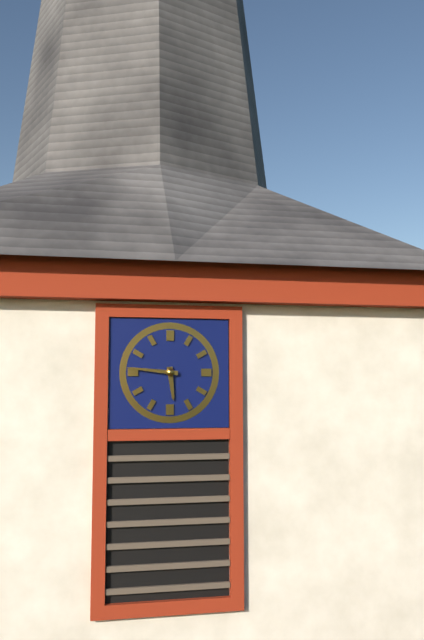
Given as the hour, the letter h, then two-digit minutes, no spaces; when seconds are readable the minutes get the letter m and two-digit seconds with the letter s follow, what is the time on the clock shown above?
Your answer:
5h46
